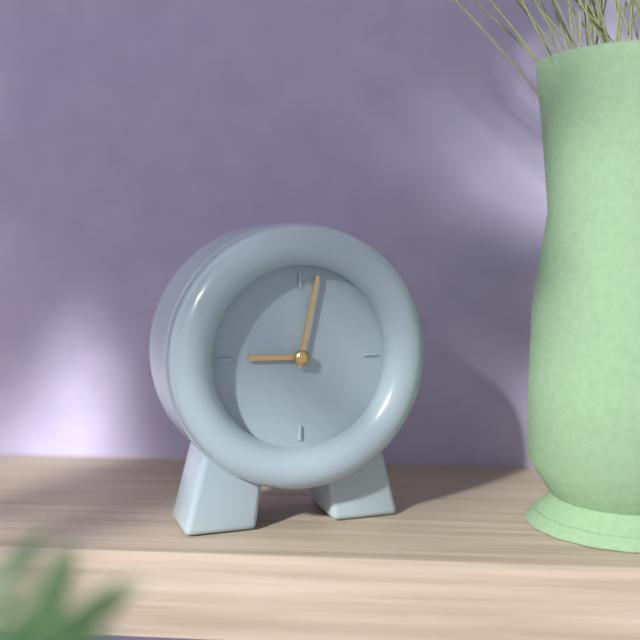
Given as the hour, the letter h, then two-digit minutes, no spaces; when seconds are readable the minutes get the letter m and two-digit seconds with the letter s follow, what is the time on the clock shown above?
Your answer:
9h02
